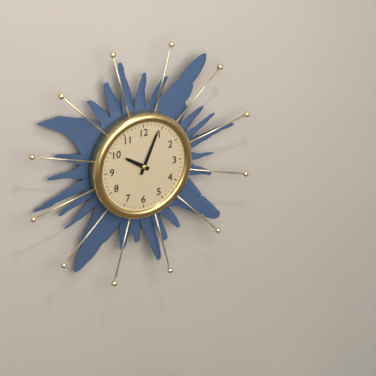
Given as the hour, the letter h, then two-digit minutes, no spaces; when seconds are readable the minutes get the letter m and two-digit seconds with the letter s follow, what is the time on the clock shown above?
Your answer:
10h04
